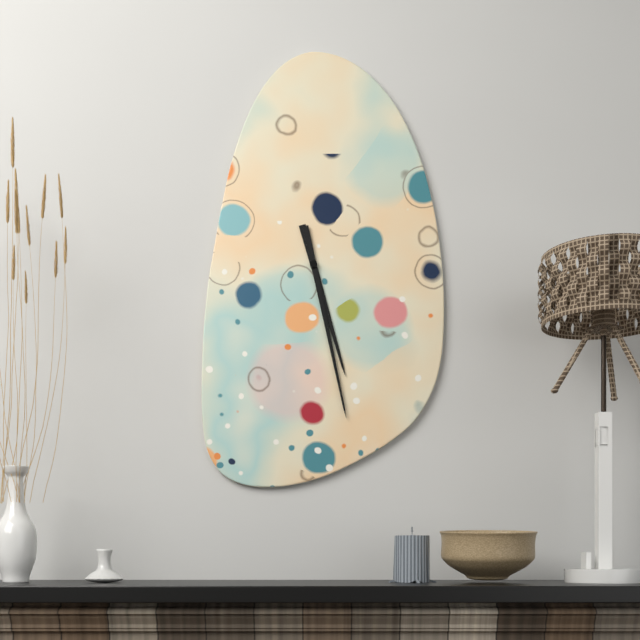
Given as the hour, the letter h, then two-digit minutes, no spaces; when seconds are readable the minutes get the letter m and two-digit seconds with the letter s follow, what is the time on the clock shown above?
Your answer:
5h28
